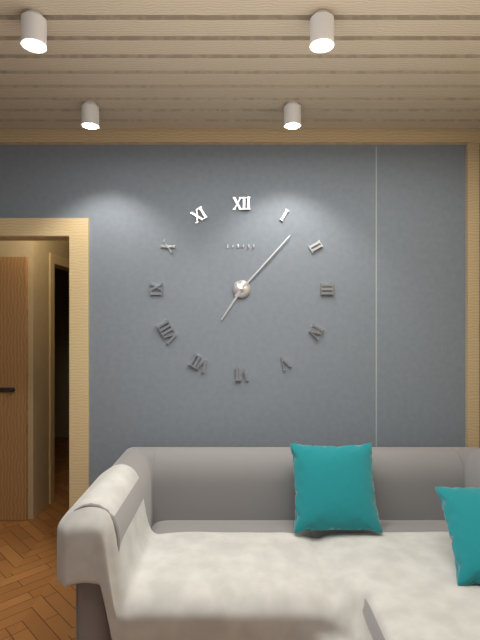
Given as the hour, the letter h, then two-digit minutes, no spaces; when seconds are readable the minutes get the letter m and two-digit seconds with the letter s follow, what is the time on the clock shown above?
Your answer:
7h07
